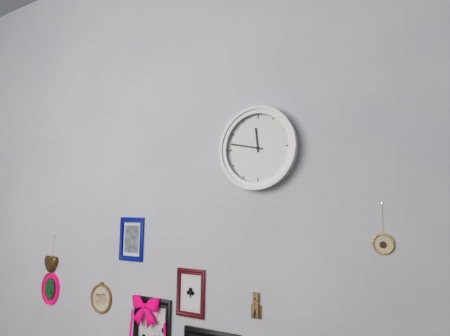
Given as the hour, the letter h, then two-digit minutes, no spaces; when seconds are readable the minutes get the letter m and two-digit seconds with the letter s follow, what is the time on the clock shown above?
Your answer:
11h47
